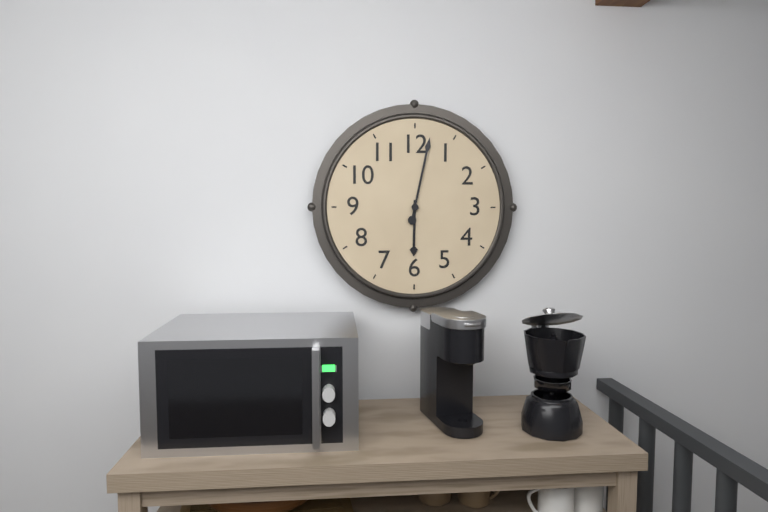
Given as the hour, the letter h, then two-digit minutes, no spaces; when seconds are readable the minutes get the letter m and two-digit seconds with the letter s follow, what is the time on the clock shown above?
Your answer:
6h02
